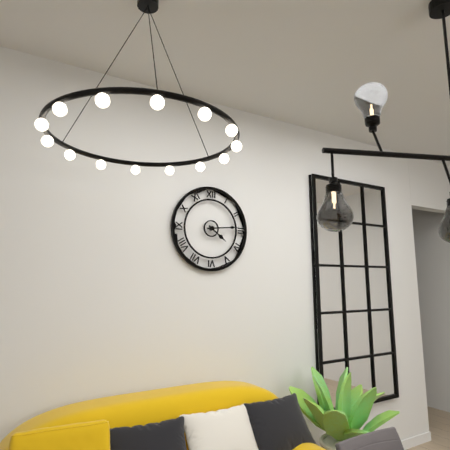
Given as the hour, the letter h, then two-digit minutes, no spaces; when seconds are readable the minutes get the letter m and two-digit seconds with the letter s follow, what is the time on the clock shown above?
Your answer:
4h14
